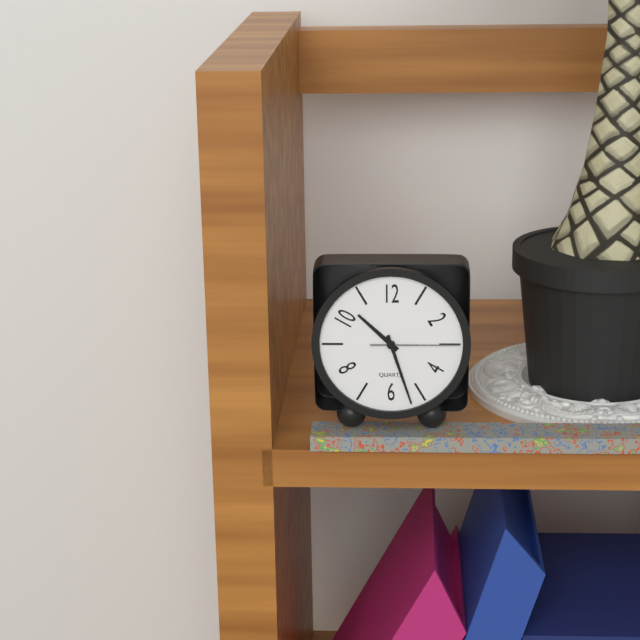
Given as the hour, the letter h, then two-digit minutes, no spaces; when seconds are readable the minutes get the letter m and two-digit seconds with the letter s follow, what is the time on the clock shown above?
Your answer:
10h27m15s
